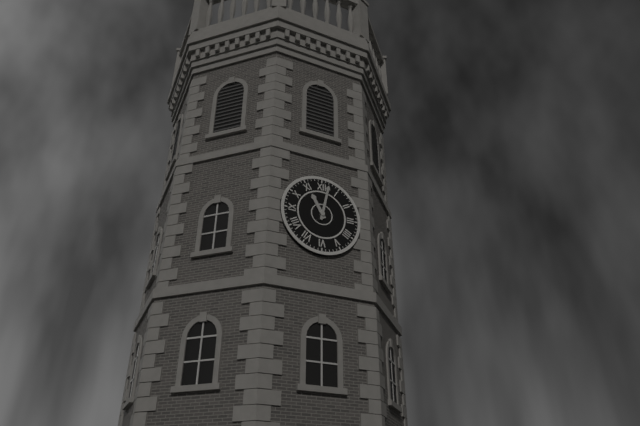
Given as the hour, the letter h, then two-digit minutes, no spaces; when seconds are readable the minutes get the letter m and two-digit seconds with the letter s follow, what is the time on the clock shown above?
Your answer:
11h02
